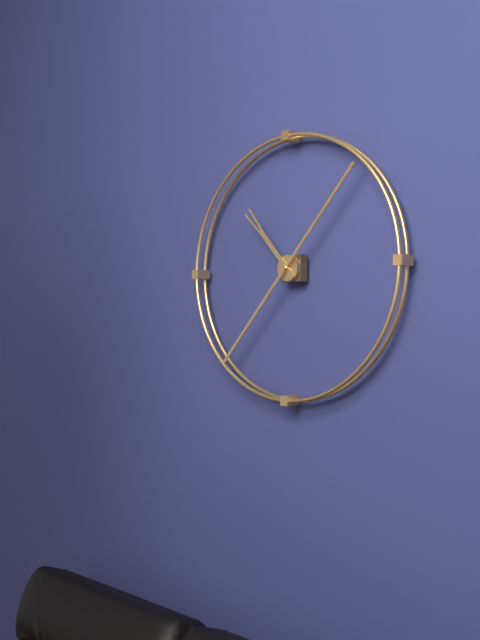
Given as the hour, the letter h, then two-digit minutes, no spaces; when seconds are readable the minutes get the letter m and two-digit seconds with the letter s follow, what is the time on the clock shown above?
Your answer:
10h37
